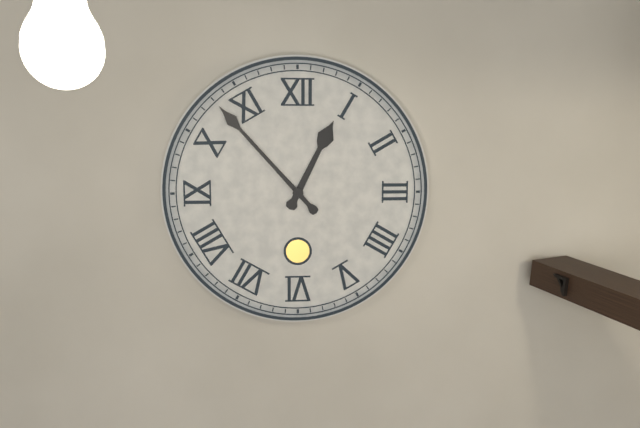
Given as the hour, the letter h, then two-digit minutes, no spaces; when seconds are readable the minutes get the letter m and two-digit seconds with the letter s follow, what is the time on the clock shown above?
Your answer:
12h53
